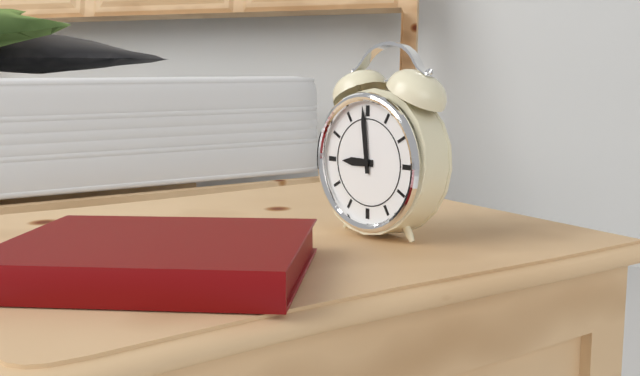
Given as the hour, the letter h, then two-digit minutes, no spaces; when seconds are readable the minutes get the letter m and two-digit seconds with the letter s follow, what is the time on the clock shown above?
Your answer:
8h59
